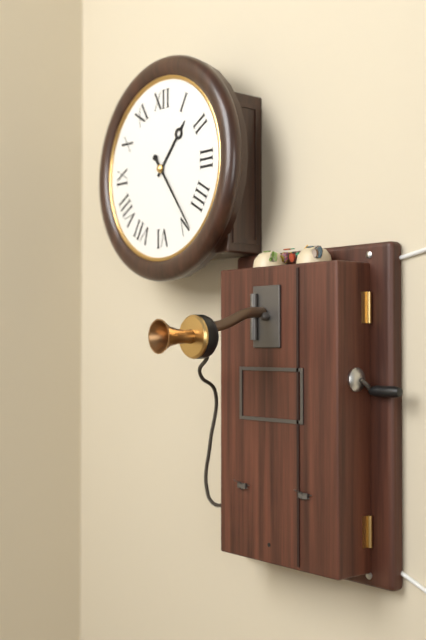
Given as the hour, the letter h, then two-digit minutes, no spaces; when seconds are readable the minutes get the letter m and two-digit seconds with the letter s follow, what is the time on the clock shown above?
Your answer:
1h24
